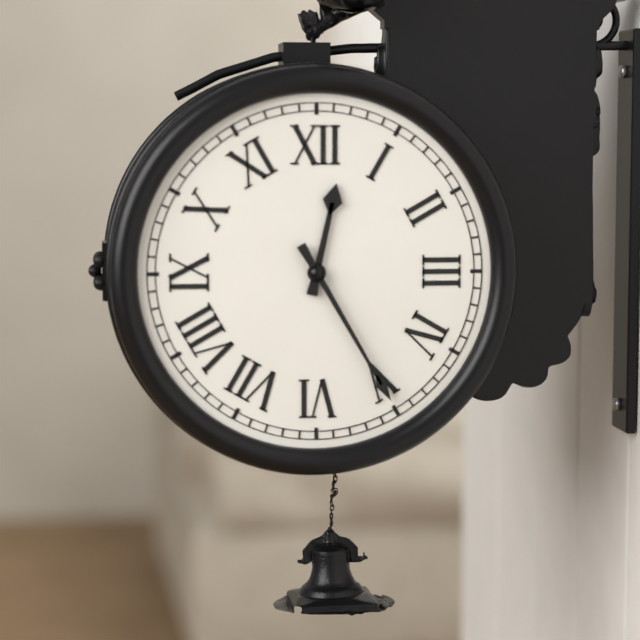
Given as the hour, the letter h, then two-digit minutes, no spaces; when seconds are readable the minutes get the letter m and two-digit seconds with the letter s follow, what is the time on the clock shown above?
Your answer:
12h25
